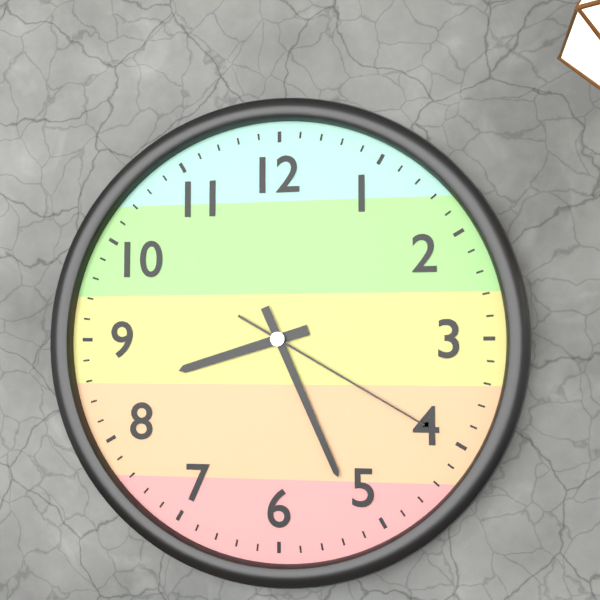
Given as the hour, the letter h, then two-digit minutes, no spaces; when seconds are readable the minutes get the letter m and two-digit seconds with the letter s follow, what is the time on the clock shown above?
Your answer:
8h26m20s
